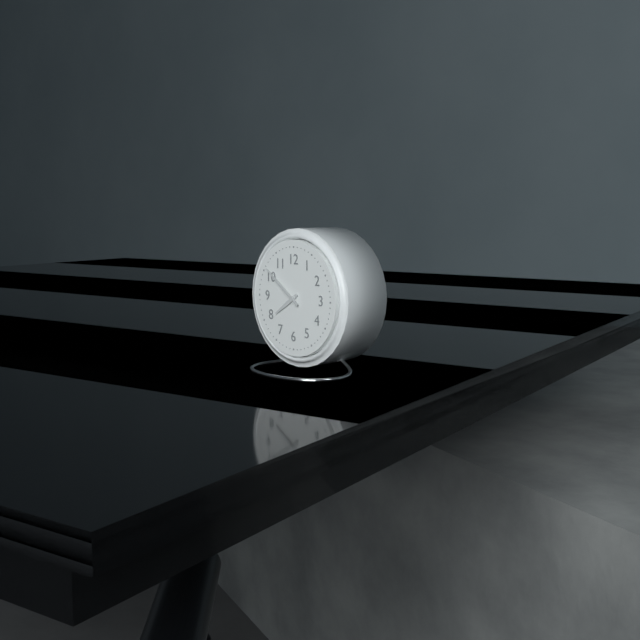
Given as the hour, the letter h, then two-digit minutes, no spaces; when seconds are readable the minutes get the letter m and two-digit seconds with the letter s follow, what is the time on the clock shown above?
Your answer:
7h51
